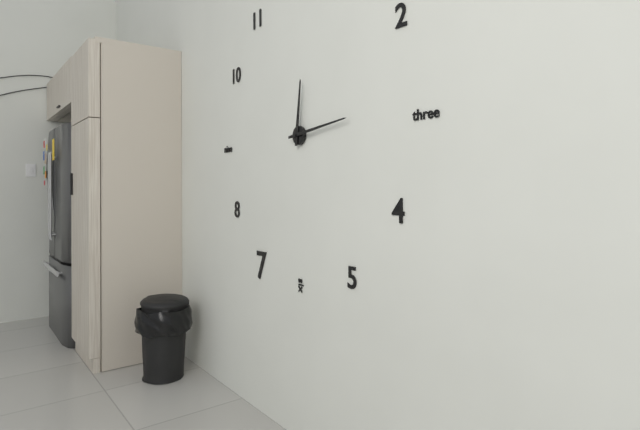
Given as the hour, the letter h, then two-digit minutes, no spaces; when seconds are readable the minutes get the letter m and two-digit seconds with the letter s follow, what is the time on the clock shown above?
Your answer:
12h14
